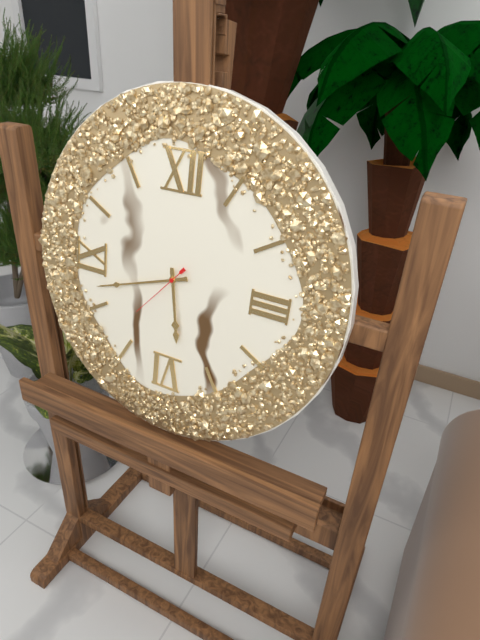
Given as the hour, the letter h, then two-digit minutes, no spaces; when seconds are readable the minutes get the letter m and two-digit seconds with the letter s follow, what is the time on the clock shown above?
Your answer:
5h42m37s
